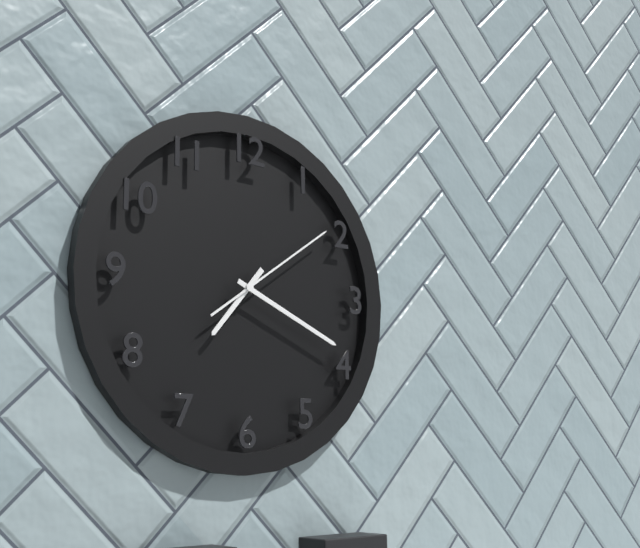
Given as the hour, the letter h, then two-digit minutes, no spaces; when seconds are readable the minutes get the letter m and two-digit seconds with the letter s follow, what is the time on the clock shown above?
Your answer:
7h19m09s
